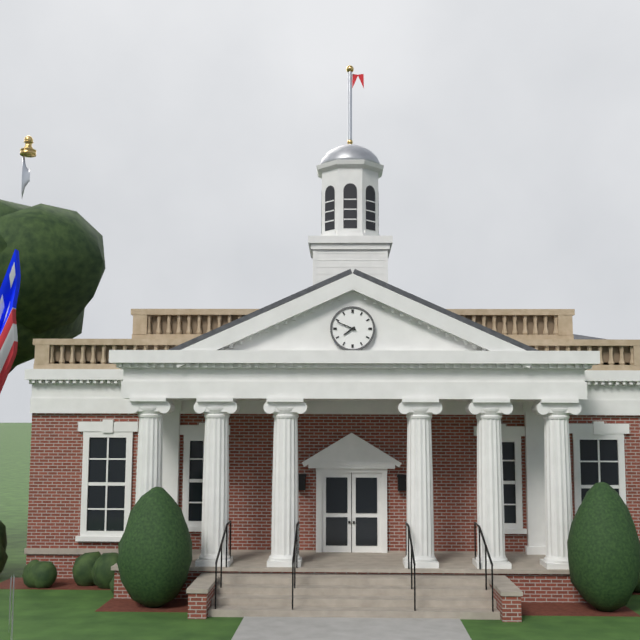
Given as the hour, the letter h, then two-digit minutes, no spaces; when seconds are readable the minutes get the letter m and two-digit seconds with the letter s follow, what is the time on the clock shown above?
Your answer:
7h49
